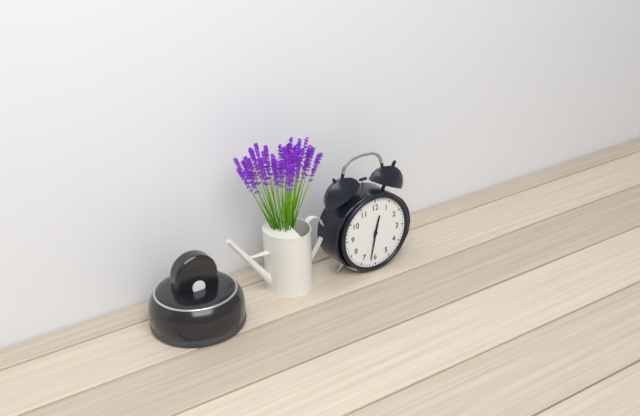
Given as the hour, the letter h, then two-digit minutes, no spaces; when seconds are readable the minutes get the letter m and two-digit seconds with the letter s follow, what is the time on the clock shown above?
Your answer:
12h32
